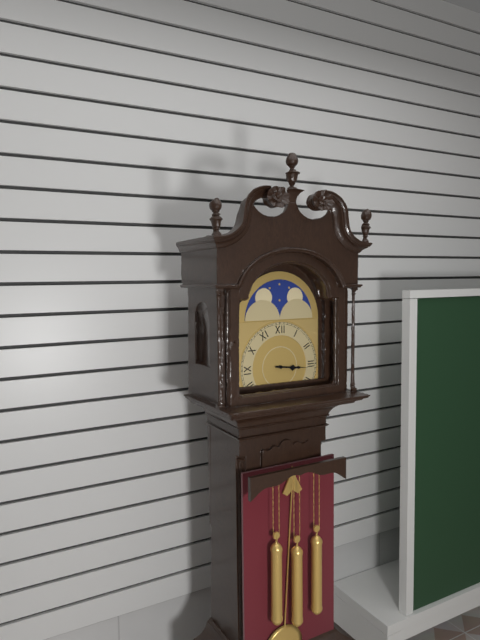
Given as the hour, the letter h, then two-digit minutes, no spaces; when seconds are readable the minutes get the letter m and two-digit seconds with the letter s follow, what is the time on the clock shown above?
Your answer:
3h16
